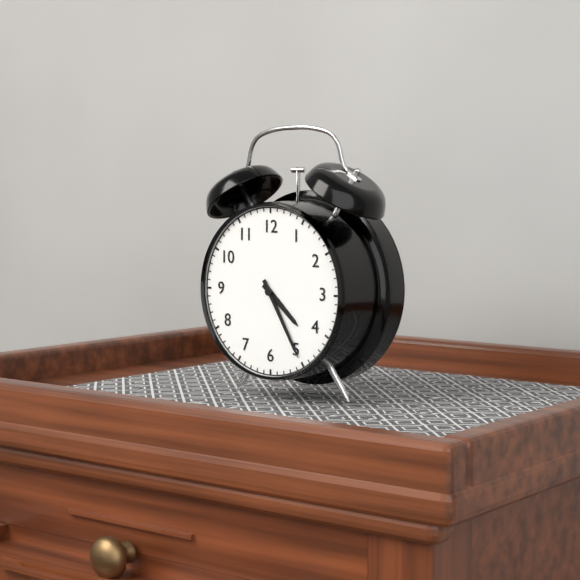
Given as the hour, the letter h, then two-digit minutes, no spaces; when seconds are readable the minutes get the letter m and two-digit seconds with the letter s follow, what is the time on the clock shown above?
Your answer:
4h25
